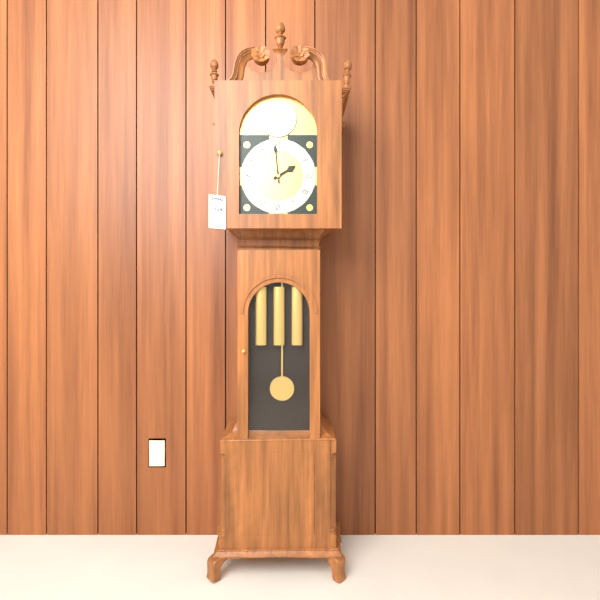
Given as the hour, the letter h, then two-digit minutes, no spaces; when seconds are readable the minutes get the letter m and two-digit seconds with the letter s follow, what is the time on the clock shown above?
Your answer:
1h59
